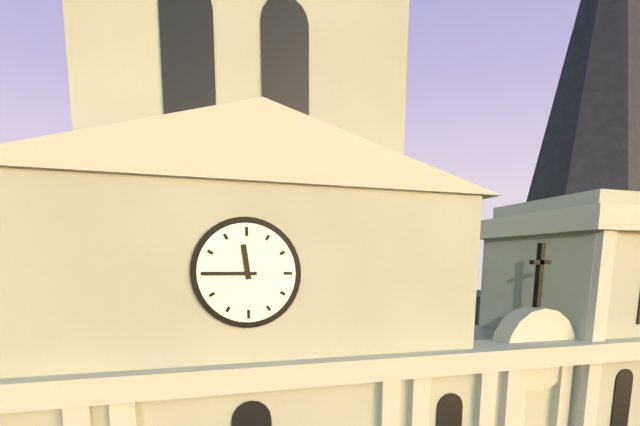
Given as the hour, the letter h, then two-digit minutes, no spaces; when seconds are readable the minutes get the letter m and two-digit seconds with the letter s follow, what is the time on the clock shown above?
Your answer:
11h45
